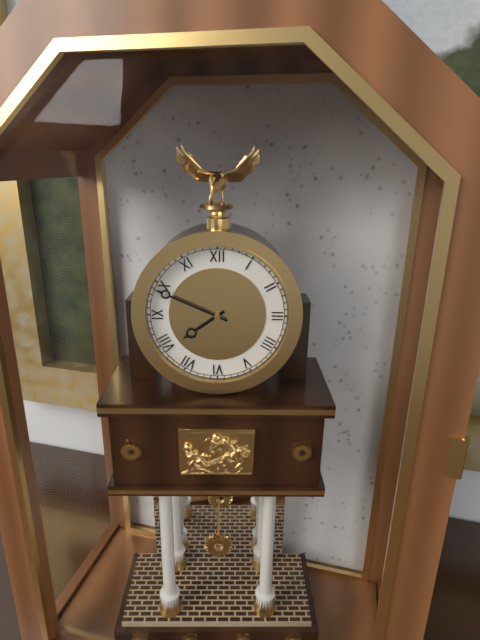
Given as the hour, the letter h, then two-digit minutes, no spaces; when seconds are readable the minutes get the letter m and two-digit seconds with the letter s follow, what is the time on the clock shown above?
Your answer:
7h49
